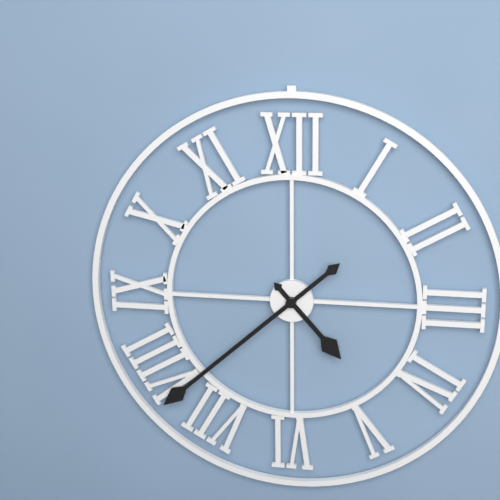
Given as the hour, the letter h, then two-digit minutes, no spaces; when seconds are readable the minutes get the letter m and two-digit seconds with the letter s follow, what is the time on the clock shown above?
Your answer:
4h38
